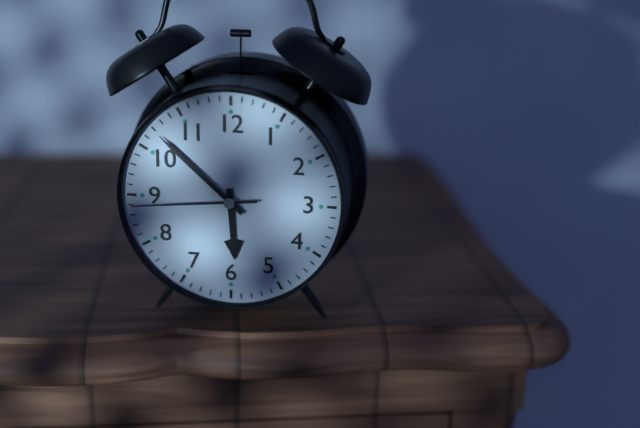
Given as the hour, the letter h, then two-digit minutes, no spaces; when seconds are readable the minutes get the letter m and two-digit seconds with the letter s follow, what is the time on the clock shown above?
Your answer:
5h52m44s
